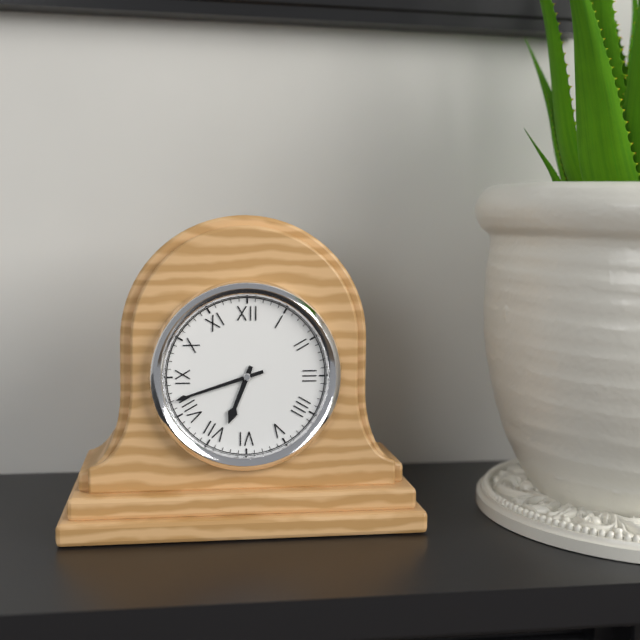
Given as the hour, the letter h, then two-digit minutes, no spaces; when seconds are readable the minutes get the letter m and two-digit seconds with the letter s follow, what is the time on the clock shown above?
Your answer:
6h42
